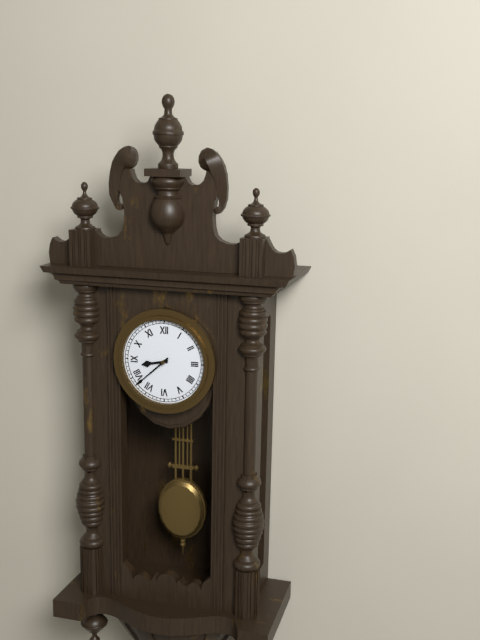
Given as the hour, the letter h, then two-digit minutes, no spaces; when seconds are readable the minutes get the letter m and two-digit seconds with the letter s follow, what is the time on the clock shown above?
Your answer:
8h38
